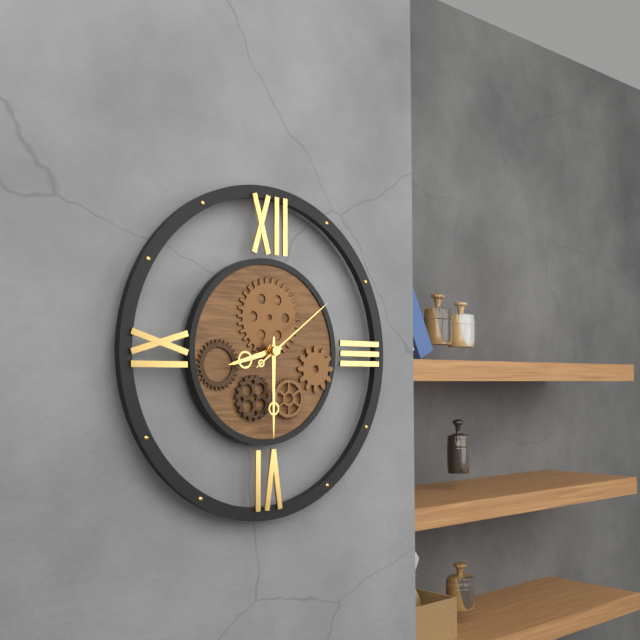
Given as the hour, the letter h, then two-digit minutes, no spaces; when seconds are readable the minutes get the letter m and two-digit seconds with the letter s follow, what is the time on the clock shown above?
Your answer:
8h30m09s
